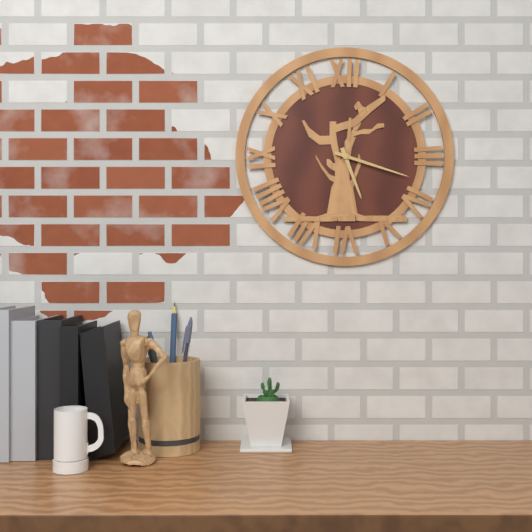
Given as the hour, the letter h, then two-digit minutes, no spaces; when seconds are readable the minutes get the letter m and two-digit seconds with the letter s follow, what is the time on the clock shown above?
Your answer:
5h18
